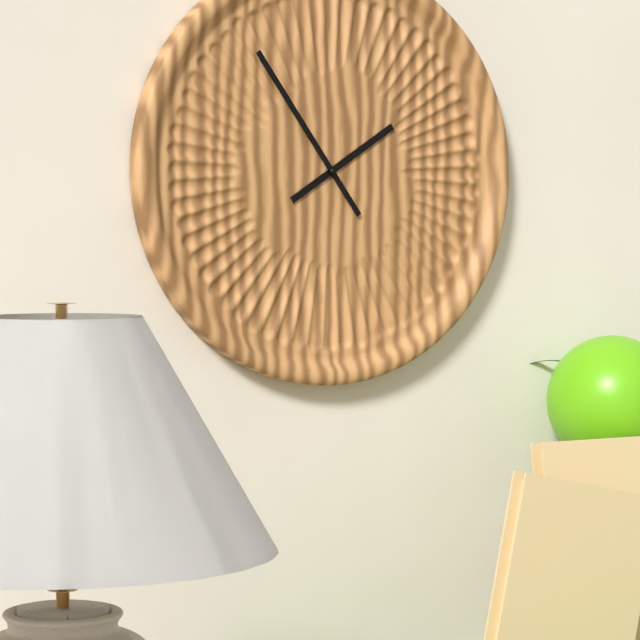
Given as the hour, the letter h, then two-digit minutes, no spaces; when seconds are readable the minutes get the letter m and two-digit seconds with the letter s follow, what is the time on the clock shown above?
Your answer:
1h54
